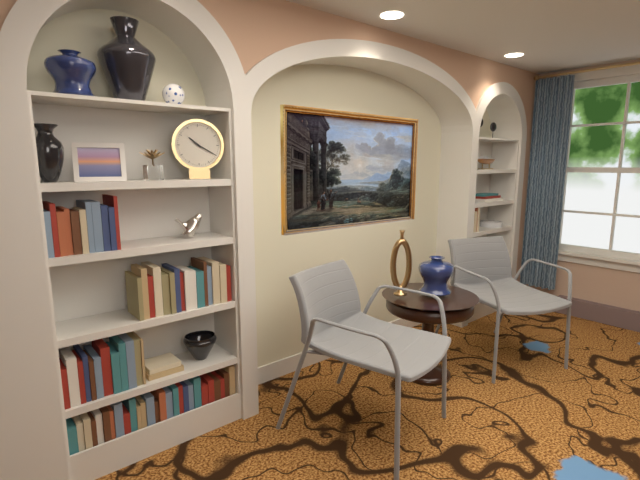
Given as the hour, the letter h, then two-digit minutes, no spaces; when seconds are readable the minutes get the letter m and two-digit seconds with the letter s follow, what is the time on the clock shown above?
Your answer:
10h20
